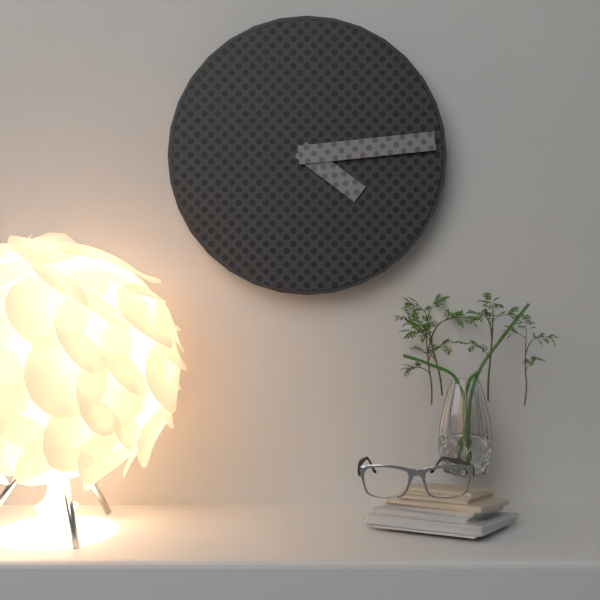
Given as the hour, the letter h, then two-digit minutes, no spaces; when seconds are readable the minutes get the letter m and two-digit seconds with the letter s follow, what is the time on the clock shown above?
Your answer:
4h14
